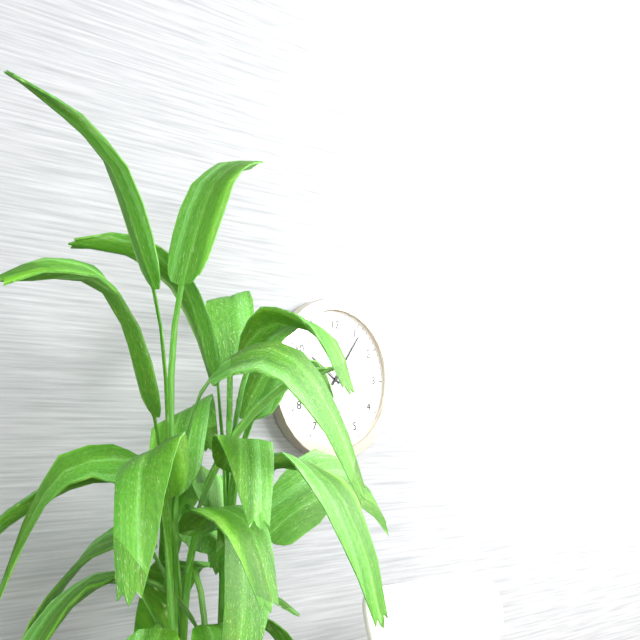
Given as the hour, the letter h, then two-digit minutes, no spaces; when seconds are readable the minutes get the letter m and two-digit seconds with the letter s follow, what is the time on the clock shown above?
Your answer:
10h06m50s
